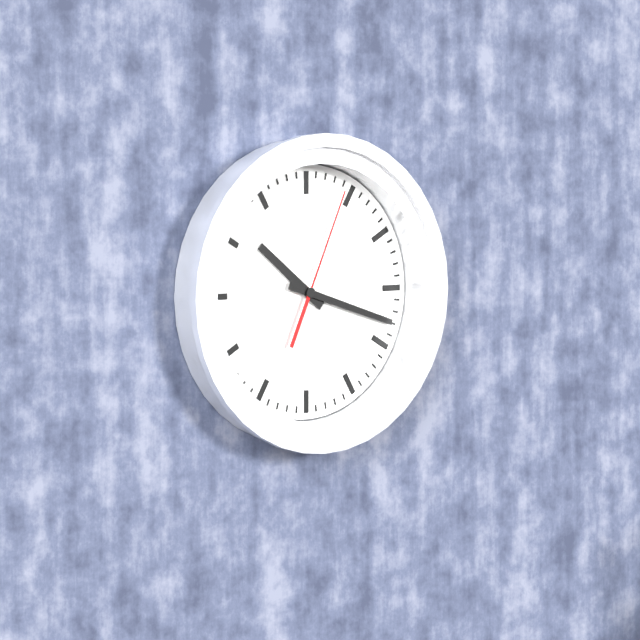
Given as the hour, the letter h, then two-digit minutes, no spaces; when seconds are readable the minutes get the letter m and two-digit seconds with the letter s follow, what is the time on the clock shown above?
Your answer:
10h18m04s
